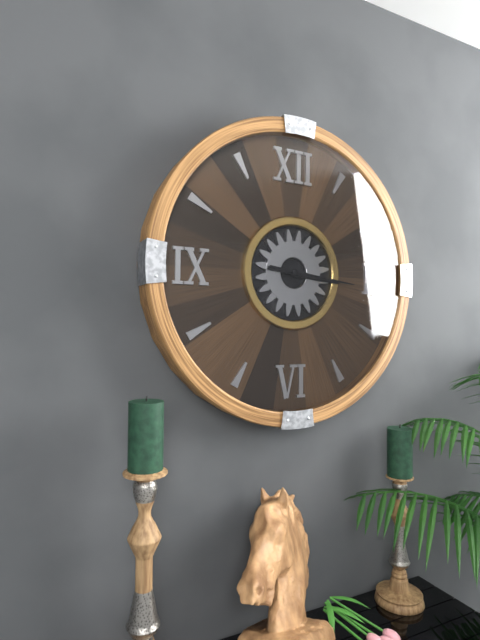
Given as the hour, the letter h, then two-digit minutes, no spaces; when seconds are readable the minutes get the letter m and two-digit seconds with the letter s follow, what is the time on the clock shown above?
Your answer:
3h16
